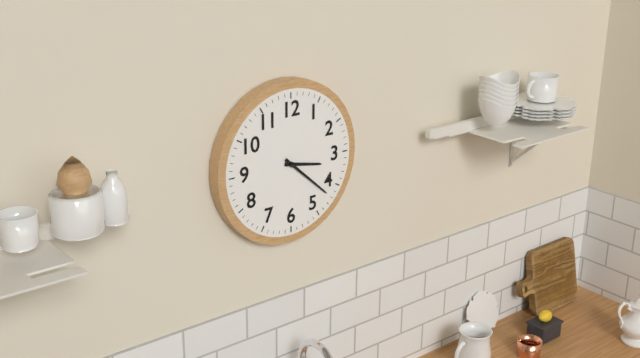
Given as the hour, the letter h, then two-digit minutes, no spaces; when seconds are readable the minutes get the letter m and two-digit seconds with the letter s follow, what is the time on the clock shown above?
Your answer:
3h22
